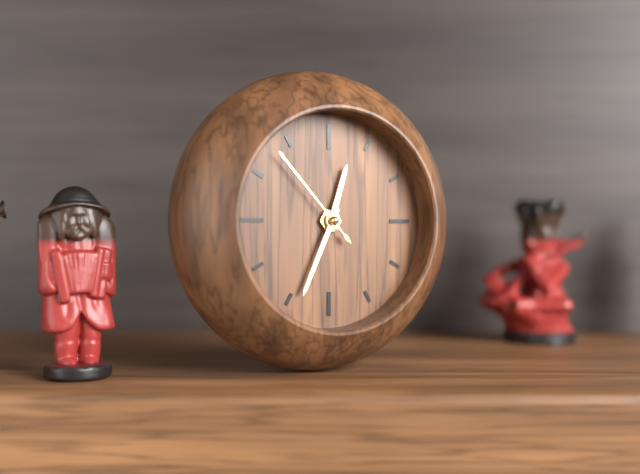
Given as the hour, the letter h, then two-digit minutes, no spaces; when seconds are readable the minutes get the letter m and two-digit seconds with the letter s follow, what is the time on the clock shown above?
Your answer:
12h34m53s
